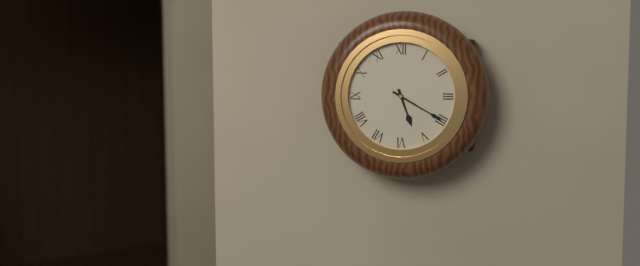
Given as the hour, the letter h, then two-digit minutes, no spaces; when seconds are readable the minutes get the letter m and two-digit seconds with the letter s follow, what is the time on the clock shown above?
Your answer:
5h20
